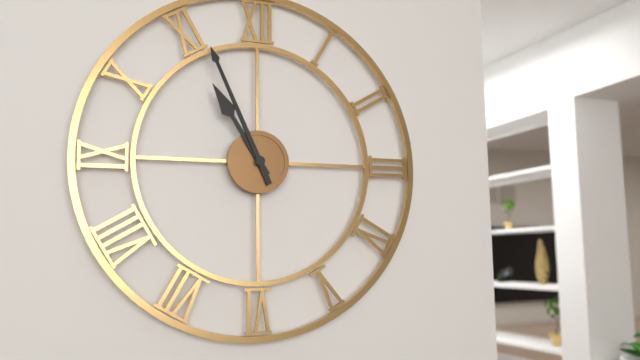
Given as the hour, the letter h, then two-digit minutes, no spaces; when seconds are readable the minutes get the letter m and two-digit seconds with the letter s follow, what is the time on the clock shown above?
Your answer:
10h56
